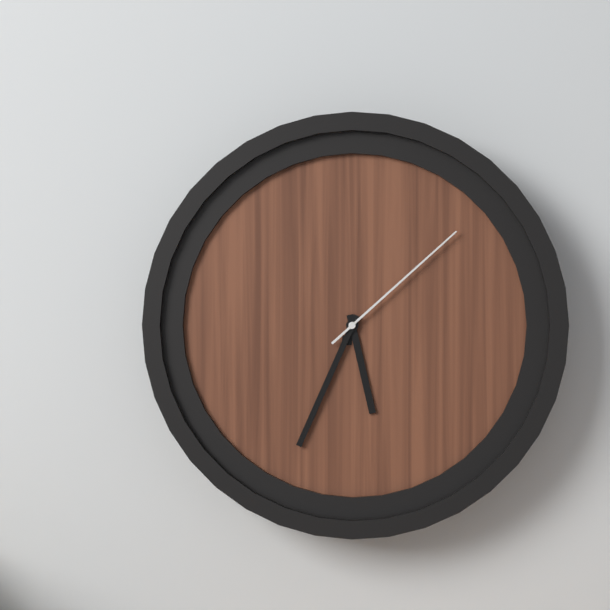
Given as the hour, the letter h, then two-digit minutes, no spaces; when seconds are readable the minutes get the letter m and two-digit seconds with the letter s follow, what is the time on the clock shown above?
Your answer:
5h34m08s
